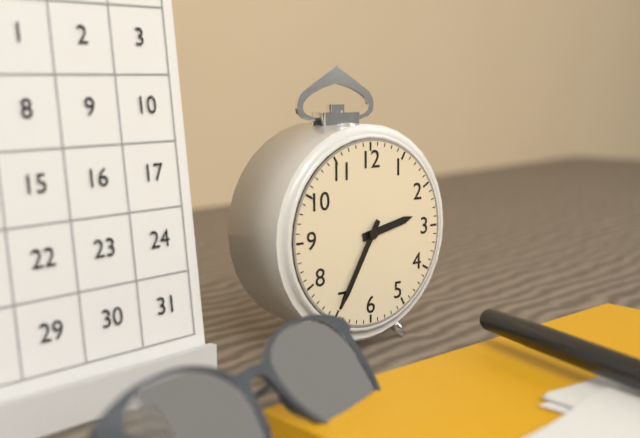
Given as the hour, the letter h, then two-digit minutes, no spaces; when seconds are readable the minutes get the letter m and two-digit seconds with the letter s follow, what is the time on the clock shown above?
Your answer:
2h35
